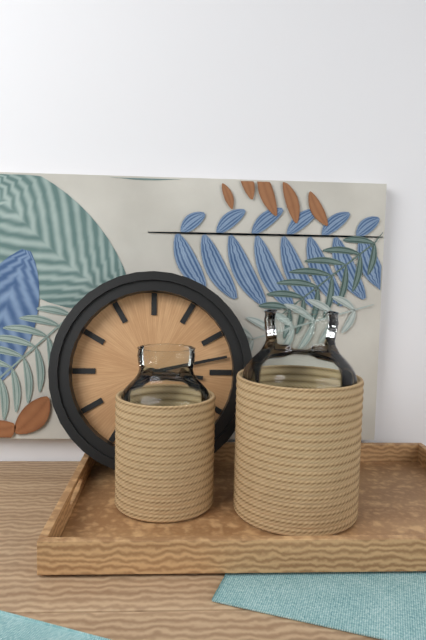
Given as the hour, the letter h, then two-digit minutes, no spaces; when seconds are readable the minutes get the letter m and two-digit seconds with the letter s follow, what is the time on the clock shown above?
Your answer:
3h13
